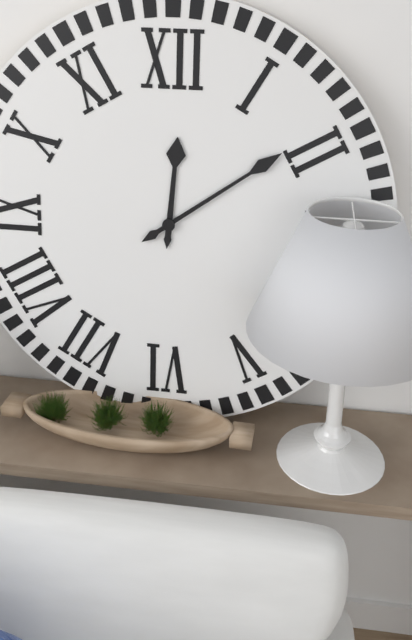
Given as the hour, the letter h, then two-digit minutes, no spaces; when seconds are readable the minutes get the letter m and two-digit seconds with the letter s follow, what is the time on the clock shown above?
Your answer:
12h09
